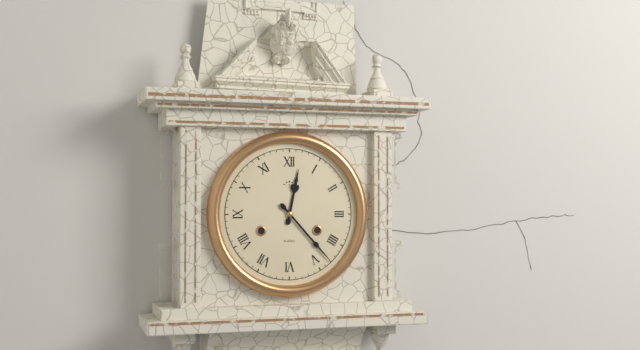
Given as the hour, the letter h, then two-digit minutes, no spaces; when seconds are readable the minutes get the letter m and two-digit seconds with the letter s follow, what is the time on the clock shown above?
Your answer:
12h23
